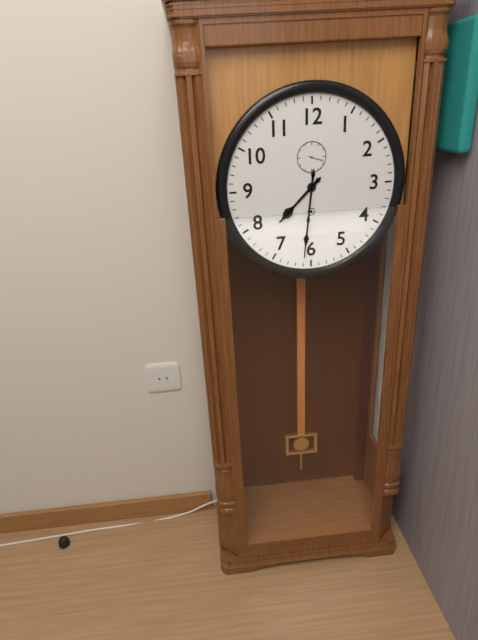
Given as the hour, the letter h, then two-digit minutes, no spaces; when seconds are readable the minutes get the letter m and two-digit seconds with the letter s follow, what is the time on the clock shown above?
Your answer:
7h31
